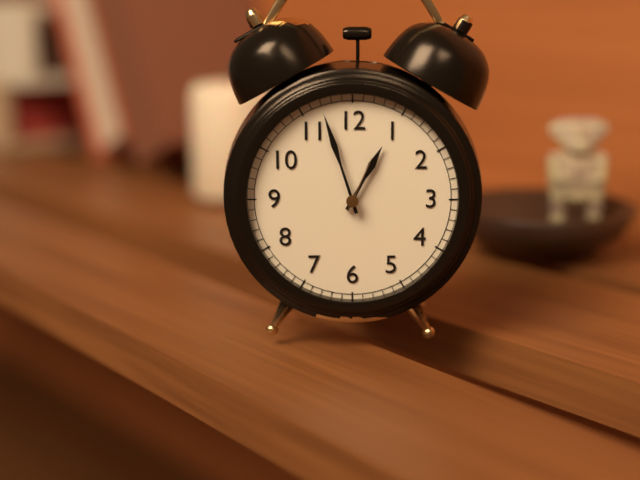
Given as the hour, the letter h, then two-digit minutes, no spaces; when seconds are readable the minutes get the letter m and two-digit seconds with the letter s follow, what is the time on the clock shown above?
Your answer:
12h57m04s
